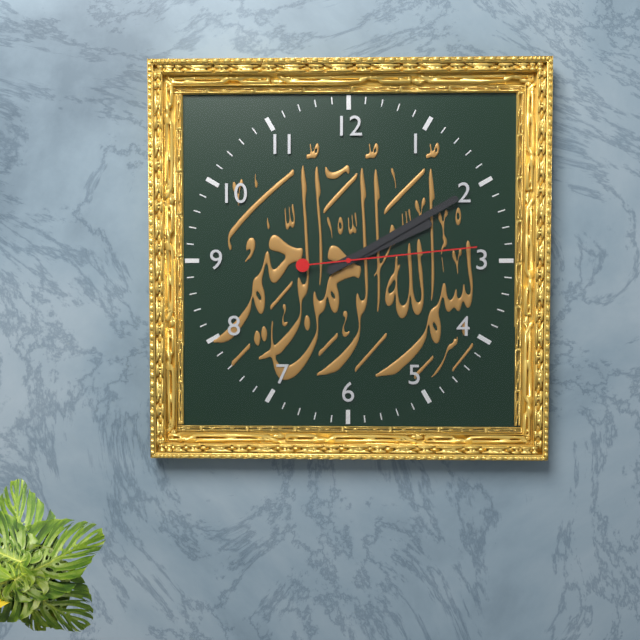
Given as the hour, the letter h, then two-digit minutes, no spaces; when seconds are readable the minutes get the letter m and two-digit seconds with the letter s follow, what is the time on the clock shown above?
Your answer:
2h10m14s
